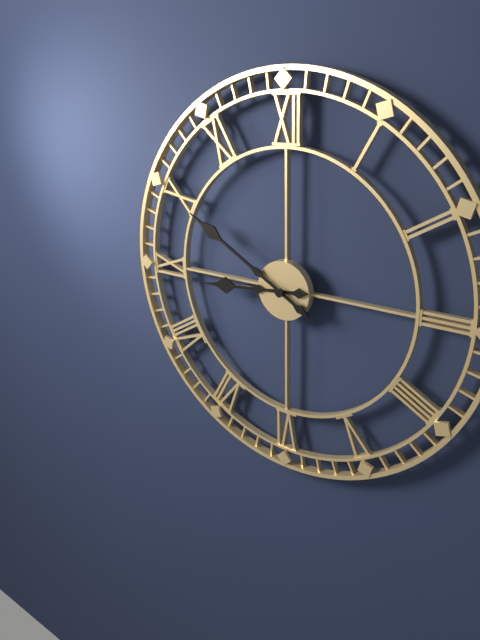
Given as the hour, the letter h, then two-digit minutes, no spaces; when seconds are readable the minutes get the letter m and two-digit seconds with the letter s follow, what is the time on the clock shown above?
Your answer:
8h50
